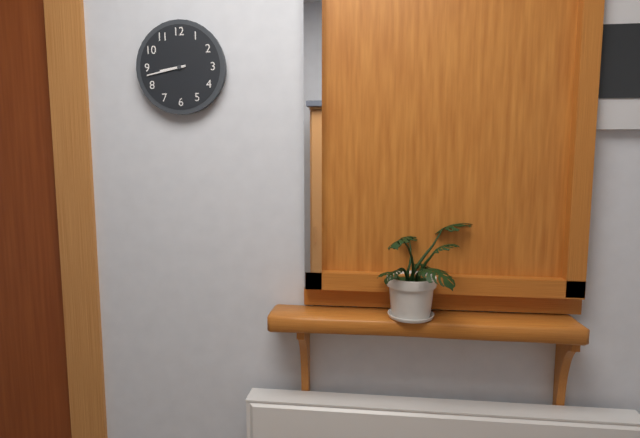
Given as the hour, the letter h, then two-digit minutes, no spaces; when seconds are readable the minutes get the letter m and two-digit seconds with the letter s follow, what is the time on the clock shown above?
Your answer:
8h43
